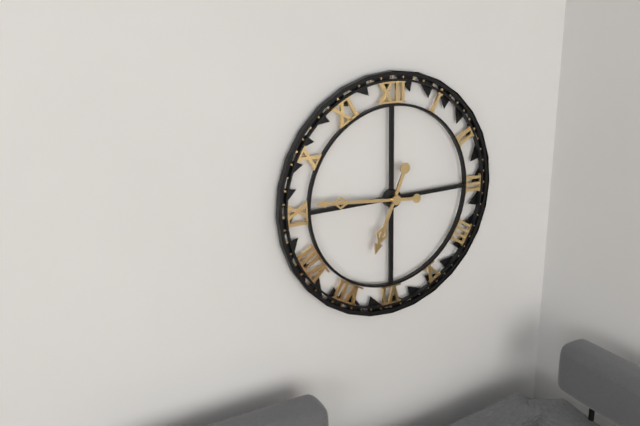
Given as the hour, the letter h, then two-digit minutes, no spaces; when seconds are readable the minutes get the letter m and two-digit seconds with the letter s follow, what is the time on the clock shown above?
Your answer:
6h46
